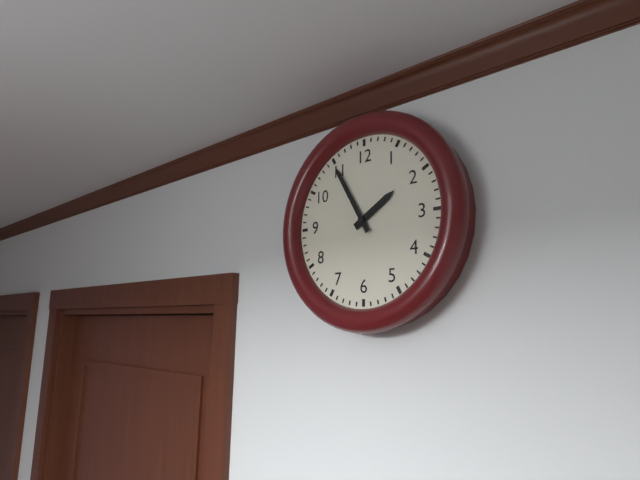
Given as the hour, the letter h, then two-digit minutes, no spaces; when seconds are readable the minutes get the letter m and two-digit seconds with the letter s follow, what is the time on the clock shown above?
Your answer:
1h55
